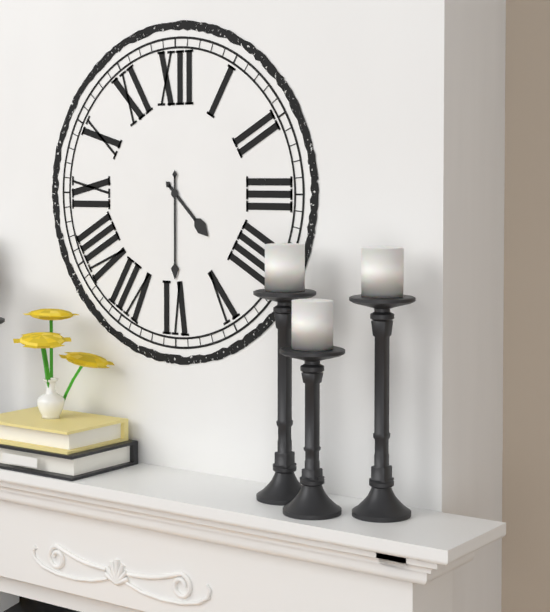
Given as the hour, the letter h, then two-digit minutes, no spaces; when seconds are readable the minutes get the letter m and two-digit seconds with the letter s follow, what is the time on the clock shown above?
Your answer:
4h30
